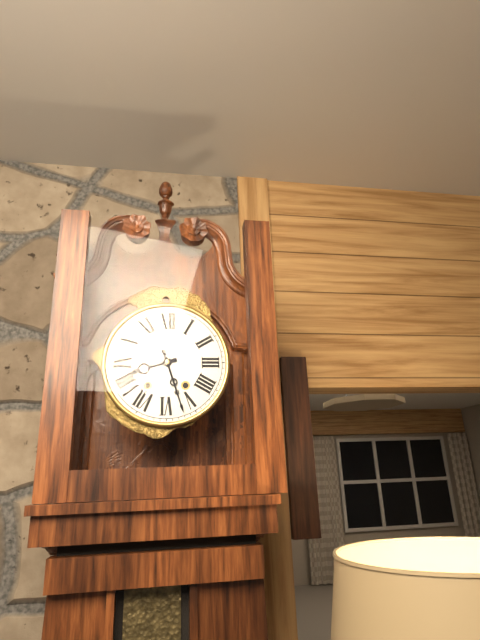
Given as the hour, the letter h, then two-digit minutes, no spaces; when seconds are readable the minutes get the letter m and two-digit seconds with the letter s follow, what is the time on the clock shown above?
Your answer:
8h27
